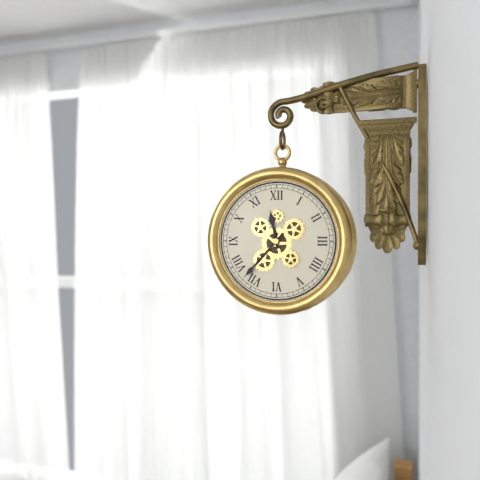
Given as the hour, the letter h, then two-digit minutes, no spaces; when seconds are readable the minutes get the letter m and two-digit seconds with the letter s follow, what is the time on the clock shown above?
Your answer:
11h37
